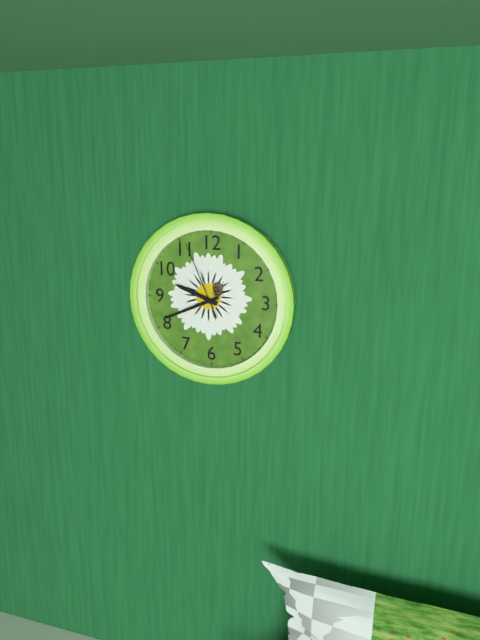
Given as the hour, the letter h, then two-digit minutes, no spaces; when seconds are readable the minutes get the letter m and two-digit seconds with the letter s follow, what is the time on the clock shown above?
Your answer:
9h41m56s
